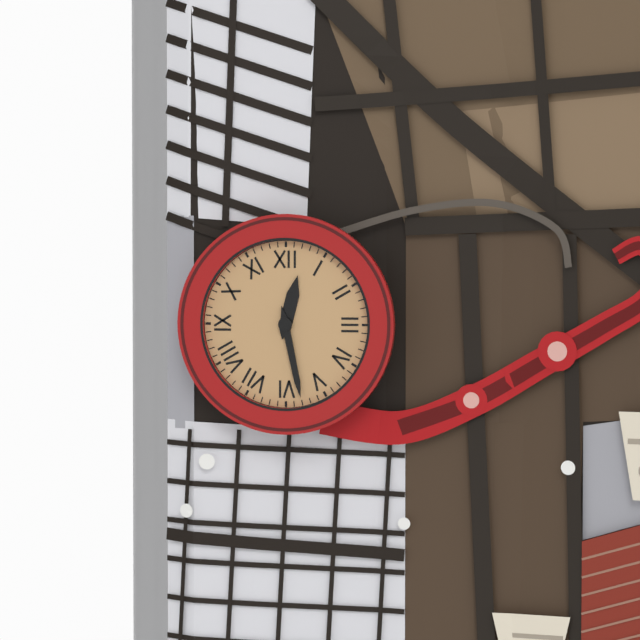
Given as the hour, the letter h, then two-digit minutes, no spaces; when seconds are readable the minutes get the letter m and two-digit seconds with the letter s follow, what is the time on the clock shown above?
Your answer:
12h28
